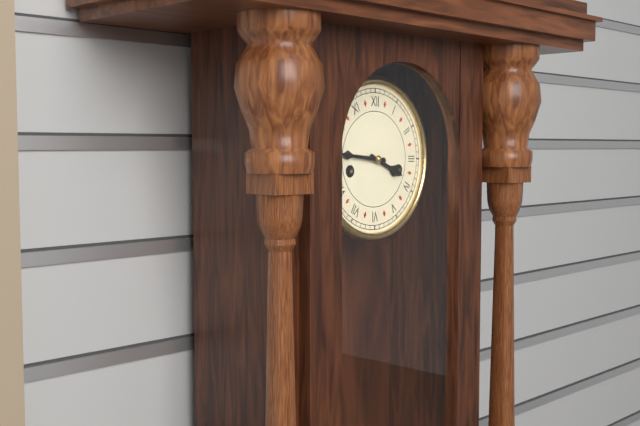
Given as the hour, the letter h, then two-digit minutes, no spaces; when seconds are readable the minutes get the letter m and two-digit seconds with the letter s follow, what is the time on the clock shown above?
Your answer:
3h46
